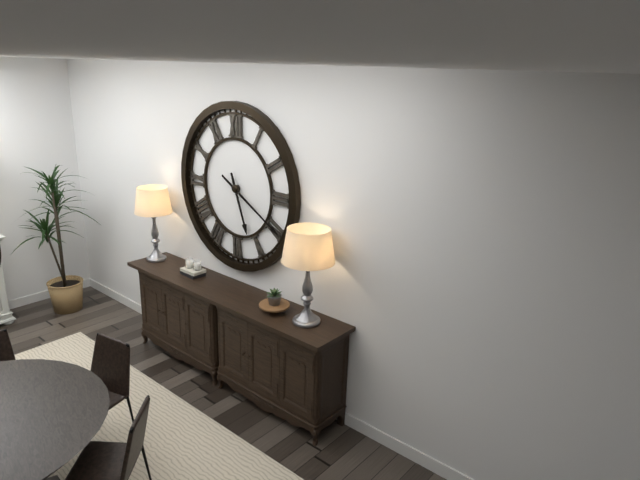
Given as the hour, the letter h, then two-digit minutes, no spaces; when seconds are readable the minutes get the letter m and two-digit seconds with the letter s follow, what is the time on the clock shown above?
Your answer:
5h20
